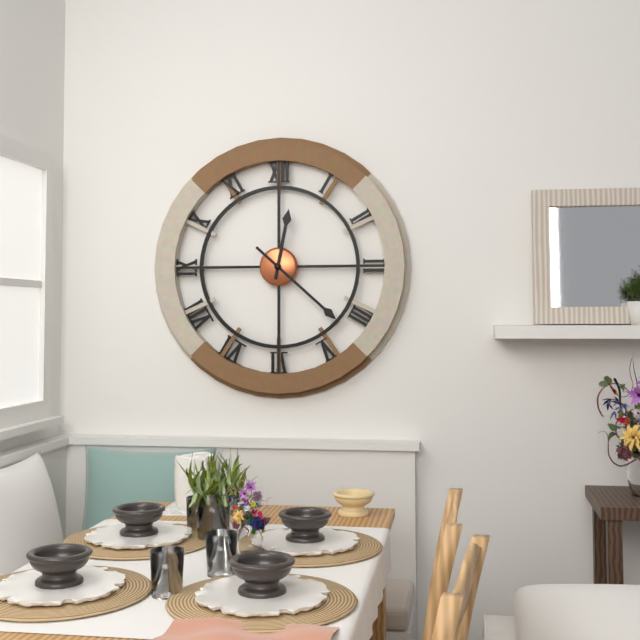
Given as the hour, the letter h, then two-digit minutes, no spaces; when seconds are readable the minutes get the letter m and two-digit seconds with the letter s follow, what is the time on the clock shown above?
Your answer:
12h22
